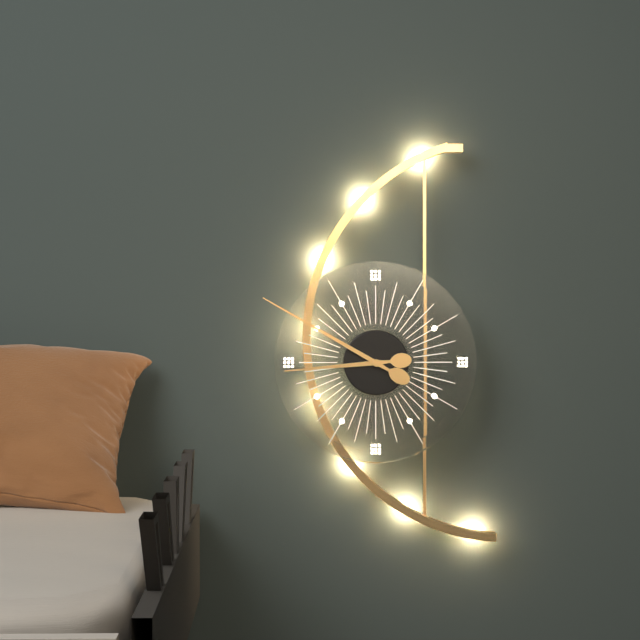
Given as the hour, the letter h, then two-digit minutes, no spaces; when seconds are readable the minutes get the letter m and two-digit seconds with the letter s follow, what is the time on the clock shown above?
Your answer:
8h50
